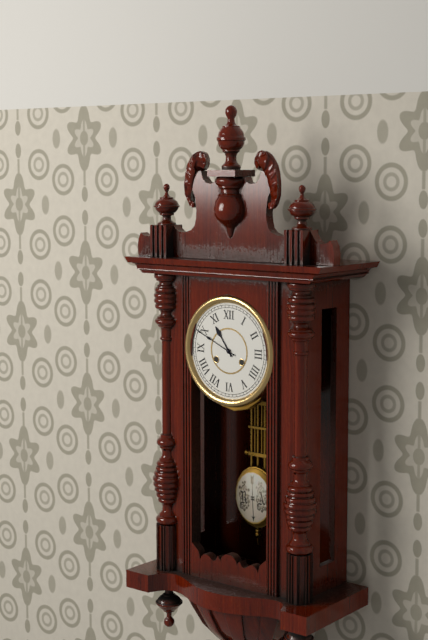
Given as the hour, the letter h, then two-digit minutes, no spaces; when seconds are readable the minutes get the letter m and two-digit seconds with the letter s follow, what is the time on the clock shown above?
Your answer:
10h49
